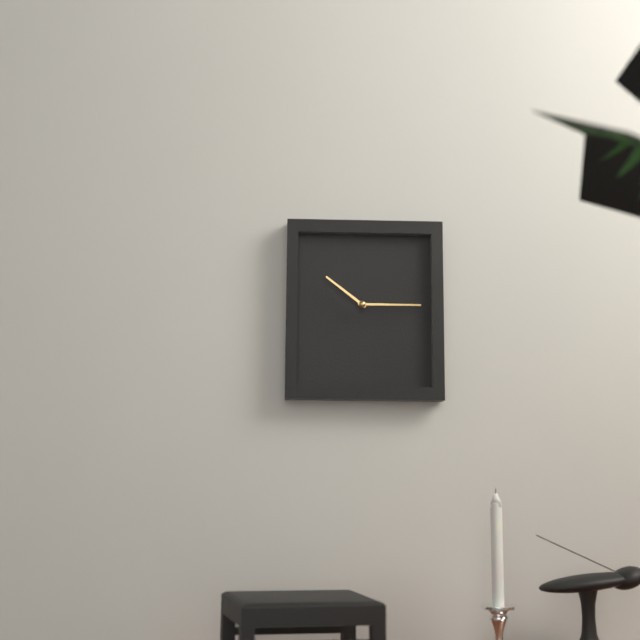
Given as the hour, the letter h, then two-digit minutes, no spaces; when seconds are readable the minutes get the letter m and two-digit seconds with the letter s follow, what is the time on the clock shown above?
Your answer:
10h15
